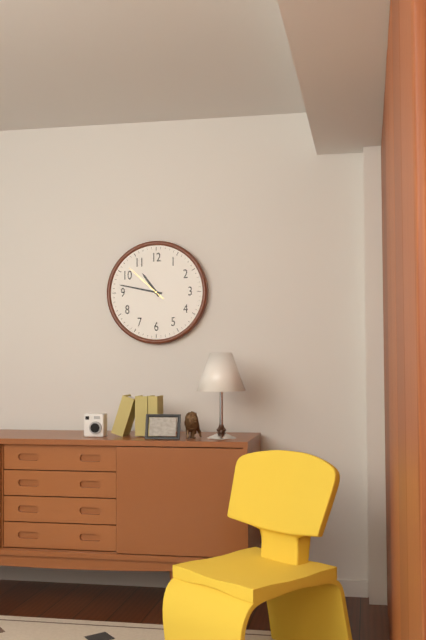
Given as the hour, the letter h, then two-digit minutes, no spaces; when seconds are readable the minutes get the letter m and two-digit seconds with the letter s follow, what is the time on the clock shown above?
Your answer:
10h47
